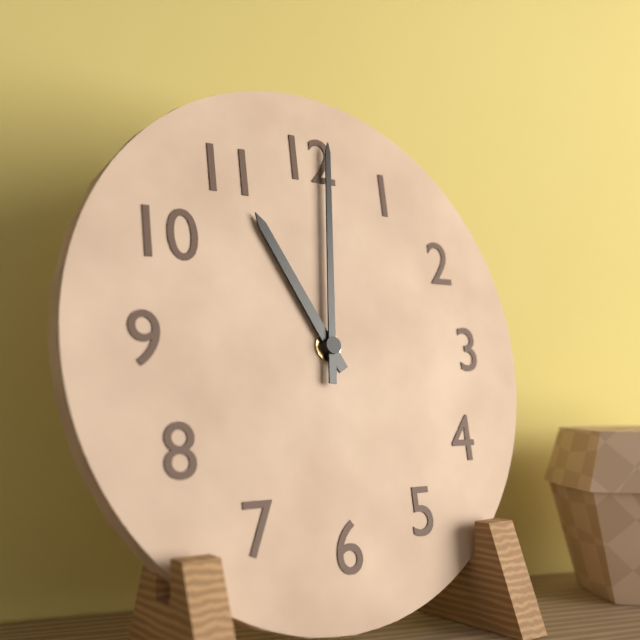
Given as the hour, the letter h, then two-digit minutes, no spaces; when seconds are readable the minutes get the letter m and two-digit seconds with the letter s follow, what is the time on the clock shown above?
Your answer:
11h01
